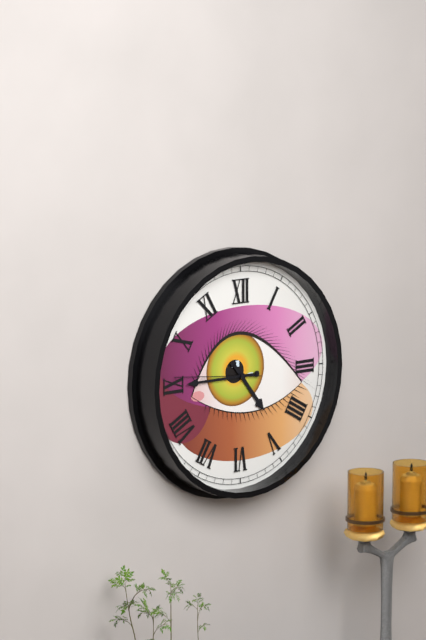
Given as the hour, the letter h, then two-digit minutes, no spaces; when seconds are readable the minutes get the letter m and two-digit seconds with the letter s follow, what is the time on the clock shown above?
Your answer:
4h45m46s
